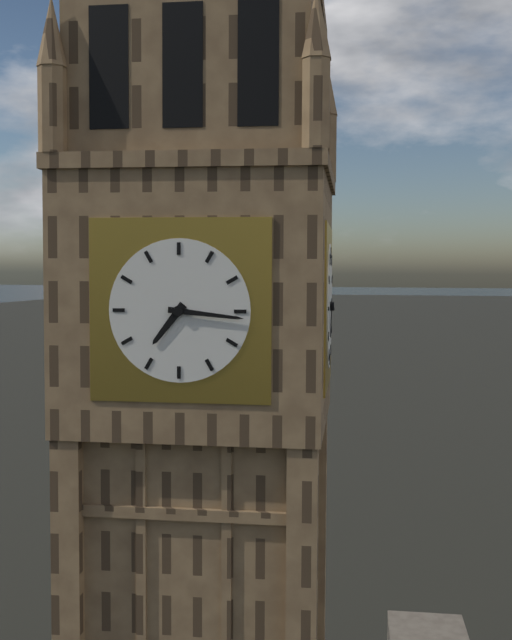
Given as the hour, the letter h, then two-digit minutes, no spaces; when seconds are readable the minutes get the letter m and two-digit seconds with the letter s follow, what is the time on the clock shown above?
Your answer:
7h16
